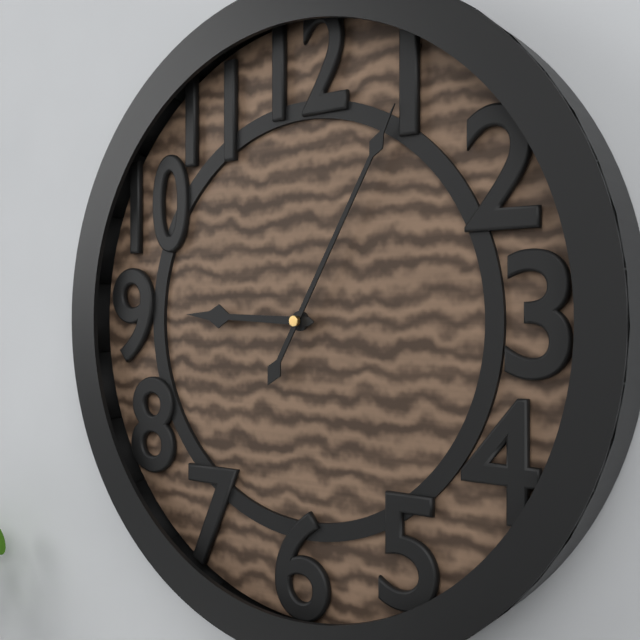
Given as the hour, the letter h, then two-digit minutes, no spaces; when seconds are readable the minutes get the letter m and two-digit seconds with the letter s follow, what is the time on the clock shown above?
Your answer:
9h05
